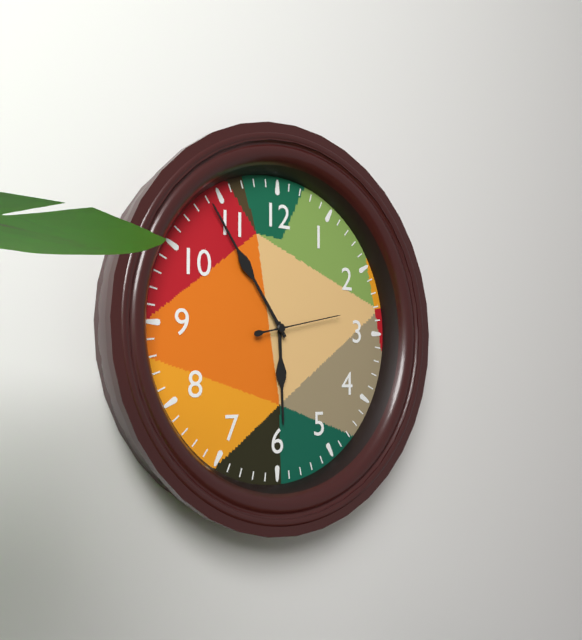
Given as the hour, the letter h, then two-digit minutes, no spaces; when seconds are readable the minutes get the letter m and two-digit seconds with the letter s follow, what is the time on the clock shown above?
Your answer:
5h54m13s
